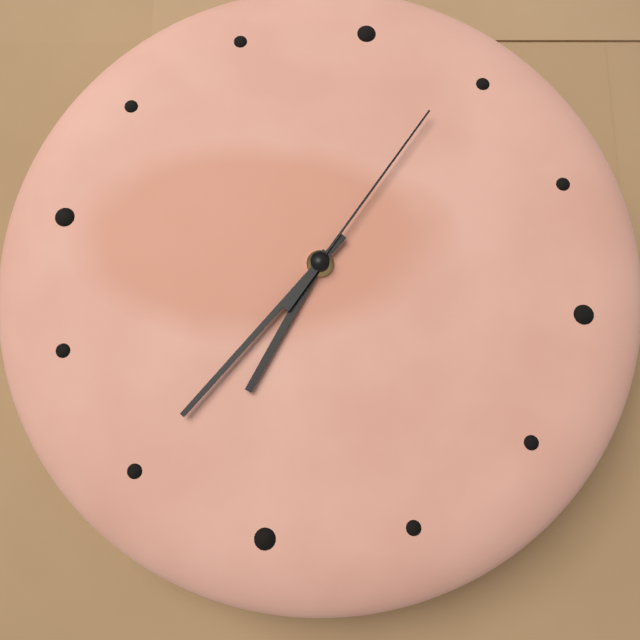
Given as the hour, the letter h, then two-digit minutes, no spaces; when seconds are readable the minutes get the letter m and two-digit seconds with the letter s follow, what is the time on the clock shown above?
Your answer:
6h35m04s
